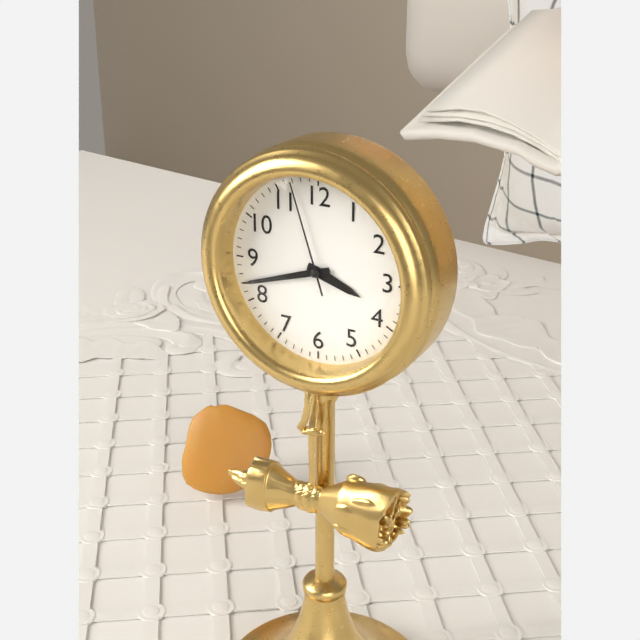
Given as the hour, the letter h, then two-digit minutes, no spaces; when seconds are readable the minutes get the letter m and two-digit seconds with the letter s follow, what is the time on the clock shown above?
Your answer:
3h42m57s
